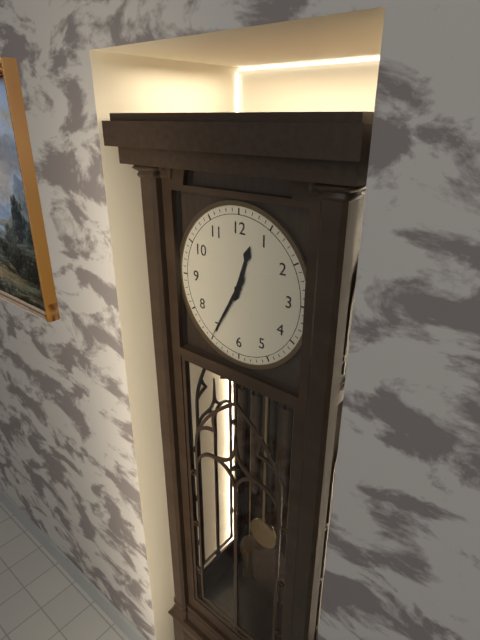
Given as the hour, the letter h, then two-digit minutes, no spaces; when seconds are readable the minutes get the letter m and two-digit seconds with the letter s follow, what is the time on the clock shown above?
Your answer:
12h35
